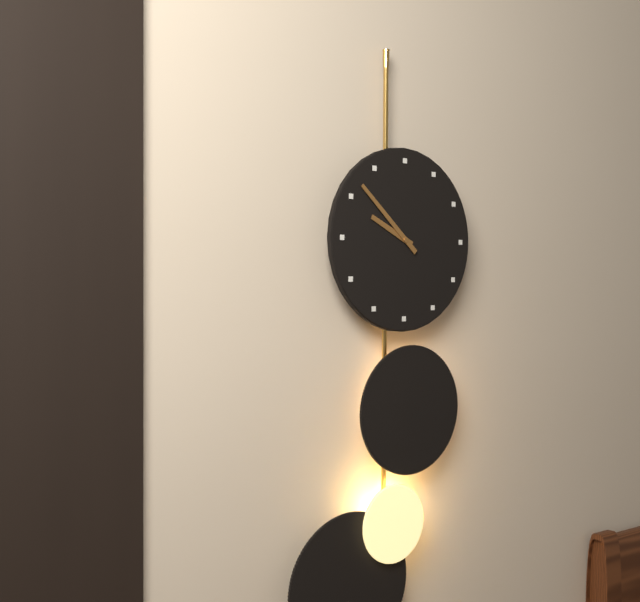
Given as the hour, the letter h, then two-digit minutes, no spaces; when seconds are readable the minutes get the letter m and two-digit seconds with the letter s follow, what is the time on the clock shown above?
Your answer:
9h52
